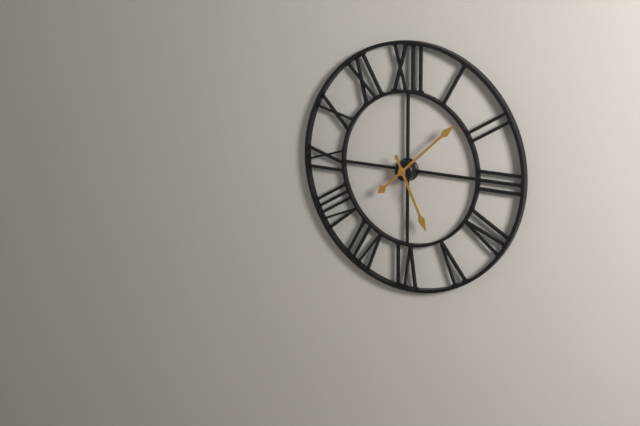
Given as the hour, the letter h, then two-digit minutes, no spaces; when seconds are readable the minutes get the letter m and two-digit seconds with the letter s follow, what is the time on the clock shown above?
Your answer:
5h08
